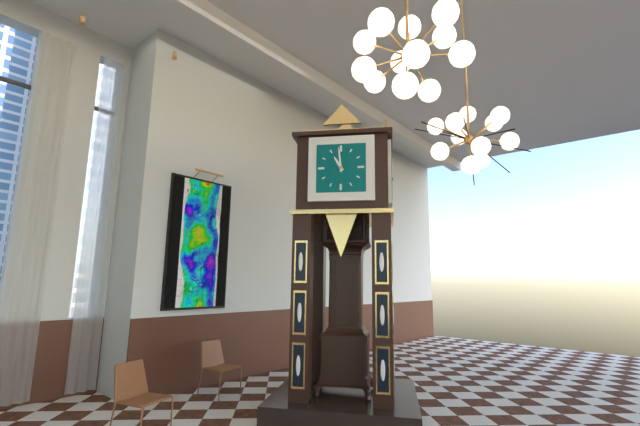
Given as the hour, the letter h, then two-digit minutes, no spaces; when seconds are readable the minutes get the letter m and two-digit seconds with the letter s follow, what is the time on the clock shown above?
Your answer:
10h59
